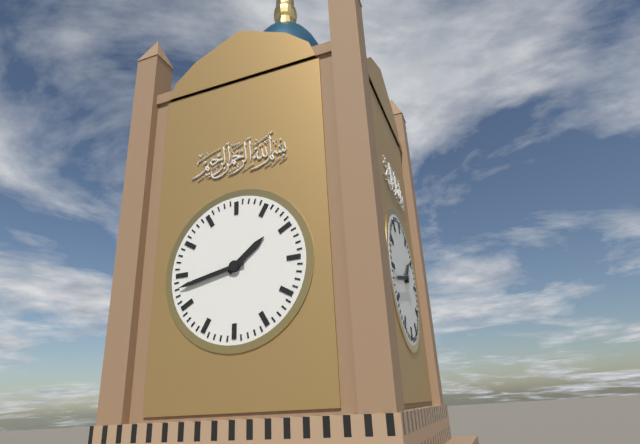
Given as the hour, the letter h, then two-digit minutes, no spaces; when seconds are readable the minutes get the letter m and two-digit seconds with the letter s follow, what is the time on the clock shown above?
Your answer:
1h43
